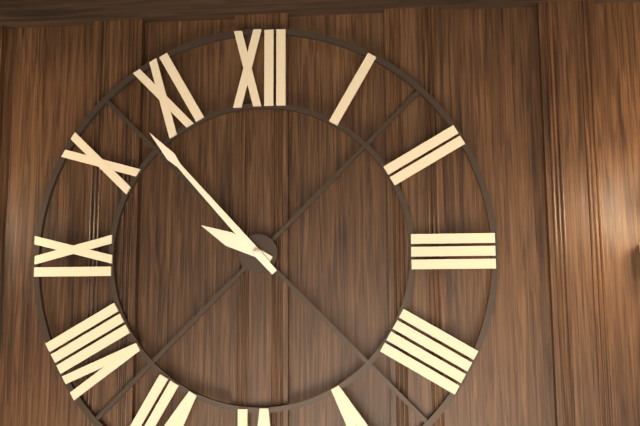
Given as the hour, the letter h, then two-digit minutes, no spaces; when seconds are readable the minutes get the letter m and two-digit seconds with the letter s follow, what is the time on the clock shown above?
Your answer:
9h53
